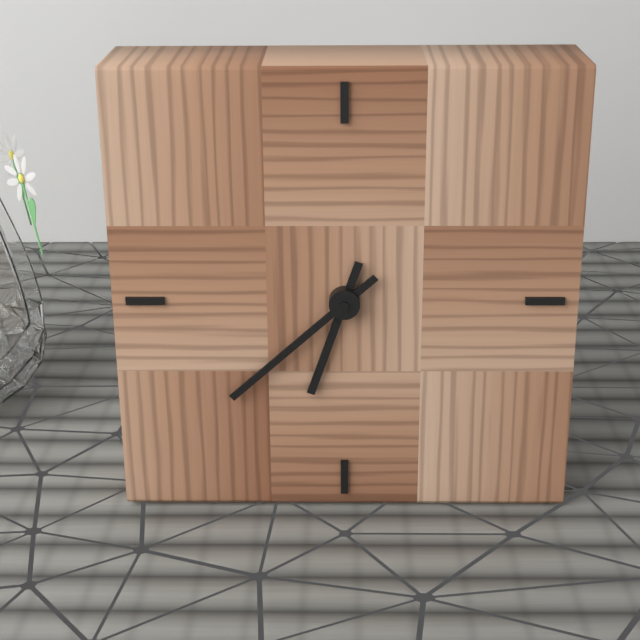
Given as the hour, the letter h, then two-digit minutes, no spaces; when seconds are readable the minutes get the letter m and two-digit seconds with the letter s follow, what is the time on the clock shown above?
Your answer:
6h38
